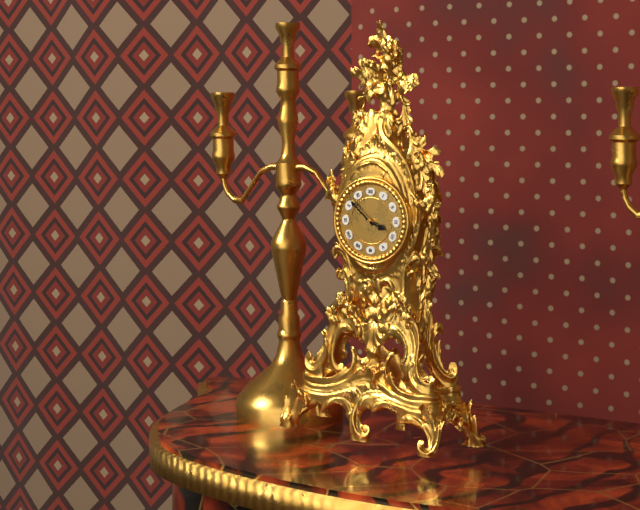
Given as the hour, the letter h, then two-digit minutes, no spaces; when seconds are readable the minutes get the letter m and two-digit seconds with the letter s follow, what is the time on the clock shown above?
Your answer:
3h52
